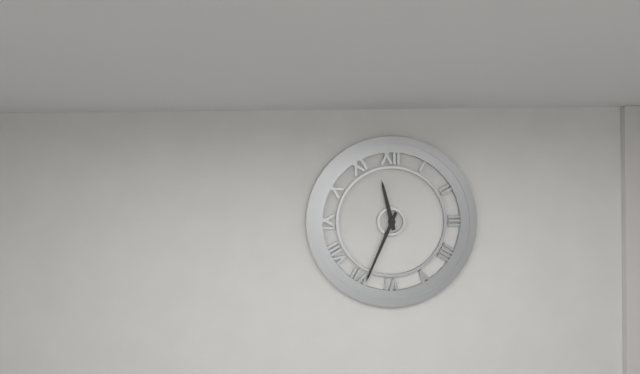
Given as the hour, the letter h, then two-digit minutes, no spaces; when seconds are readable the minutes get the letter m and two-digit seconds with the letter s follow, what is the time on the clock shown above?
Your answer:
11h34
